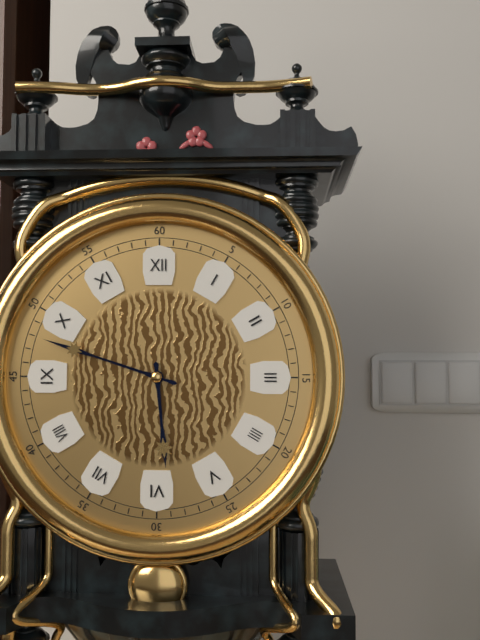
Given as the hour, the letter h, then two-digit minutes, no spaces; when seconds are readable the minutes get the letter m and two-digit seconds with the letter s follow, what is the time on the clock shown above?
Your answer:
5h48
